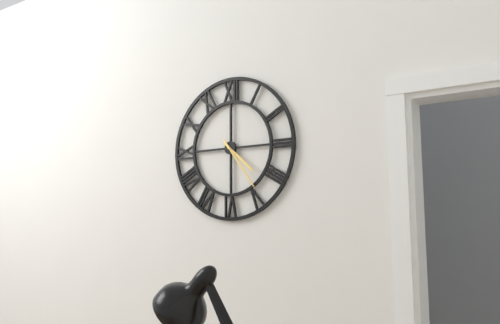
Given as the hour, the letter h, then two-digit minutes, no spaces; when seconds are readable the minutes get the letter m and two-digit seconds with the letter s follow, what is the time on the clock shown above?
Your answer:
4h24
